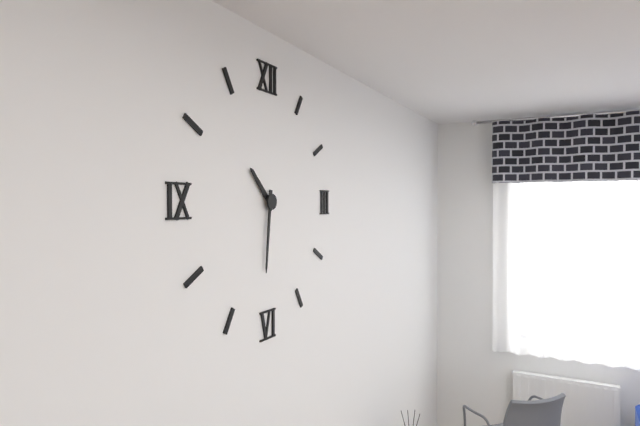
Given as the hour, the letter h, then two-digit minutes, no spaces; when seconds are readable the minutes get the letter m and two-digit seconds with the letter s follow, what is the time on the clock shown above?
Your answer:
10h31
